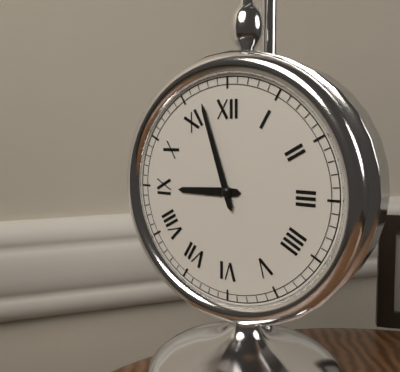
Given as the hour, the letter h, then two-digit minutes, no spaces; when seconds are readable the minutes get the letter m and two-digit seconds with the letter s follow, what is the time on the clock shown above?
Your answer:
8h57
